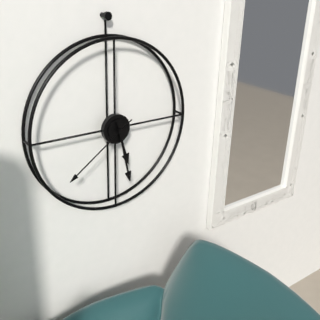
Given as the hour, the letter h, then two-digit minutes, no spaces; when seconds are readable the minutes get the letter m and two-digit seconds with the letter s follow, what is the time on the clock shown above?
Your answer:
5h28m39s
